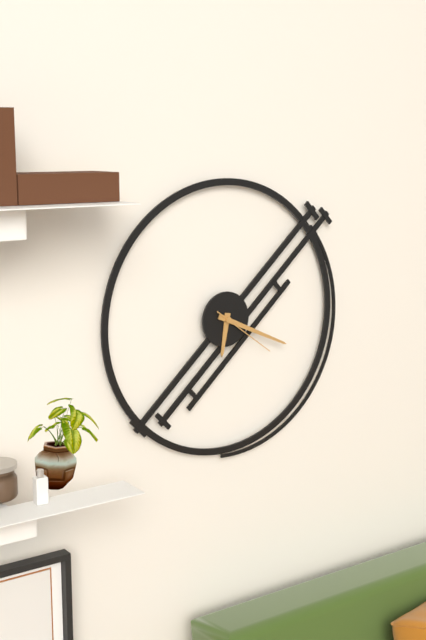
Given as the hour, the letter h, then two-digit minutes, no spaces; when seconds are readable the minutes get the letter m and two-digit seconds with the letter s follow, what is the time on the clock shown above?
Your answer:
6h19m21s
